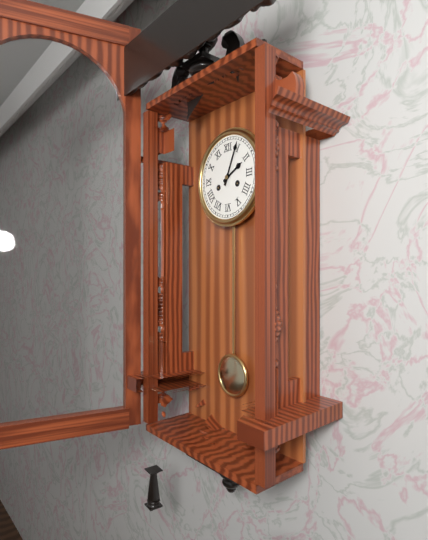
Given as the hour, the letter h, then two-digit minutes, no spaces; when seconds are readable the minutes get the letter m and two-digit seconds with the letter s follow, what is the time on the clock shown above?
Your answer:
2h04
